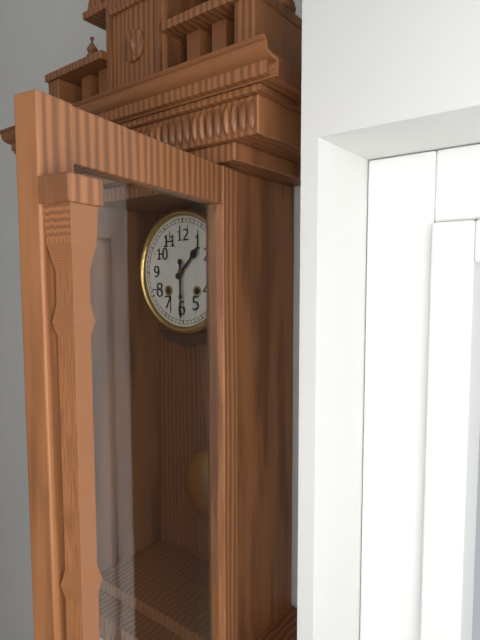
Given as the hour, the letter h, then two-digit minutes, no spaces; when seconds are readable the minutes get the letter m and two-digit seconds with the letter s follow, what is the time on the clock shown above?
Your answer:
1h30
